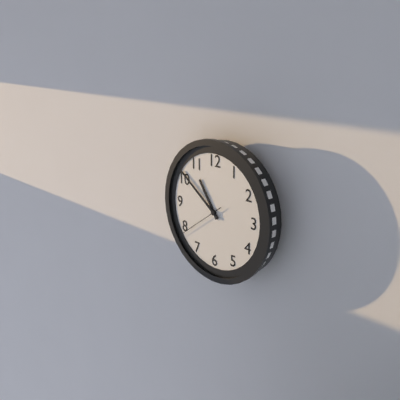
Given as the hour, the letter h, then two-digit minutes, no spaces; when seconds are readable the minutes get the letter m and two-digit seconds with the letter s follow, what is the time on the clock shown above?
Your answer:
10h51m39s
